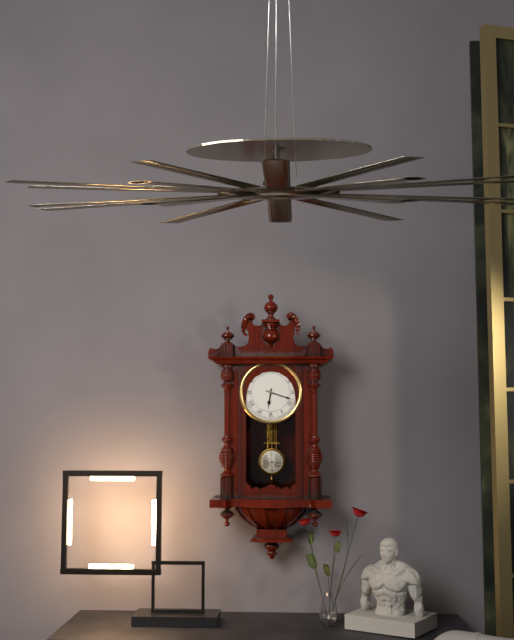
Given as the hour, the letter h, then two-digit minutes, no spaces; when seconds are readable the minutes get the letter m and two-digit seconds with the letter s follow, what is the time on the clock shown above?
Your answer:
6h18
